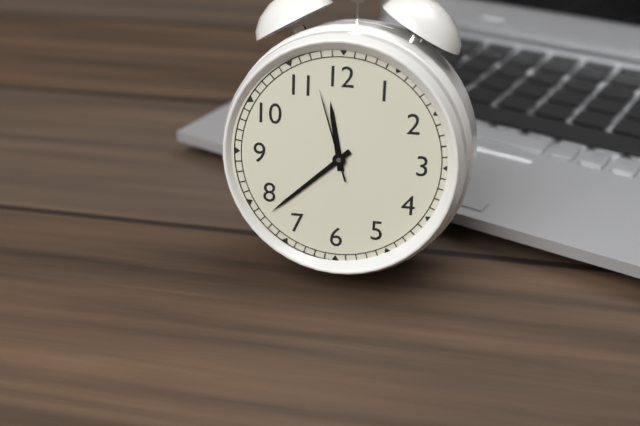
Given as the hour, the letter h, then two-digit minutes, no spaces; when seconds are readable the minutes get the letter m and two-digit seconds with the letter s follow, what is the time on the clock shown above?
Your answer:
11h38m57s
